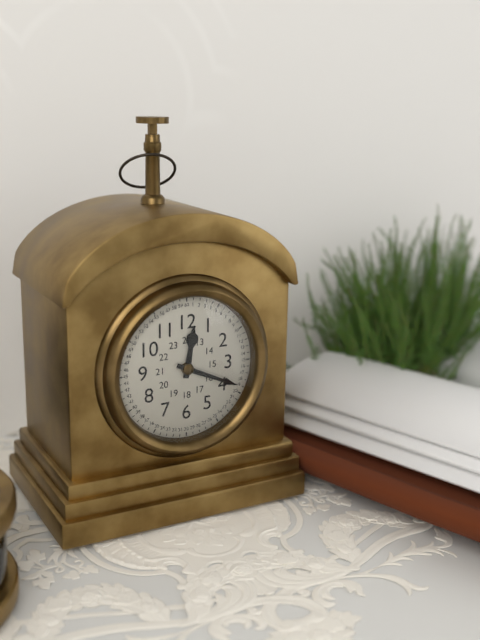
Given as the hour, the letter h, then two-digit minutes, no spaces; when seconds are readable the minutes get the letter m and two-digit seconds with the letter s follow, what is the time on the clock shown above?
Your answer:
12h19
